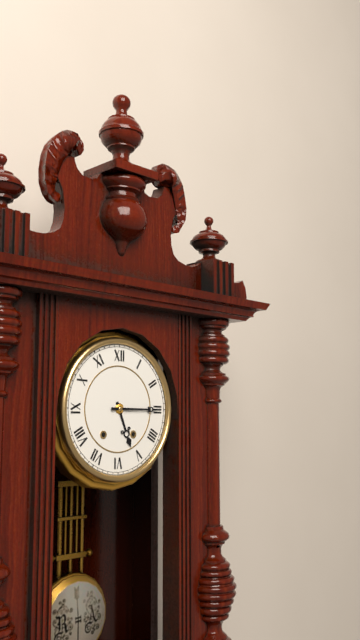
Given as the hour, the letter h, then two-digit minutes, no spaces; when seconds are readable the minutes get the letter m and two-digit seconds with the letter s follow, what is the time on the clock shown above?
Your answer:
5h15
